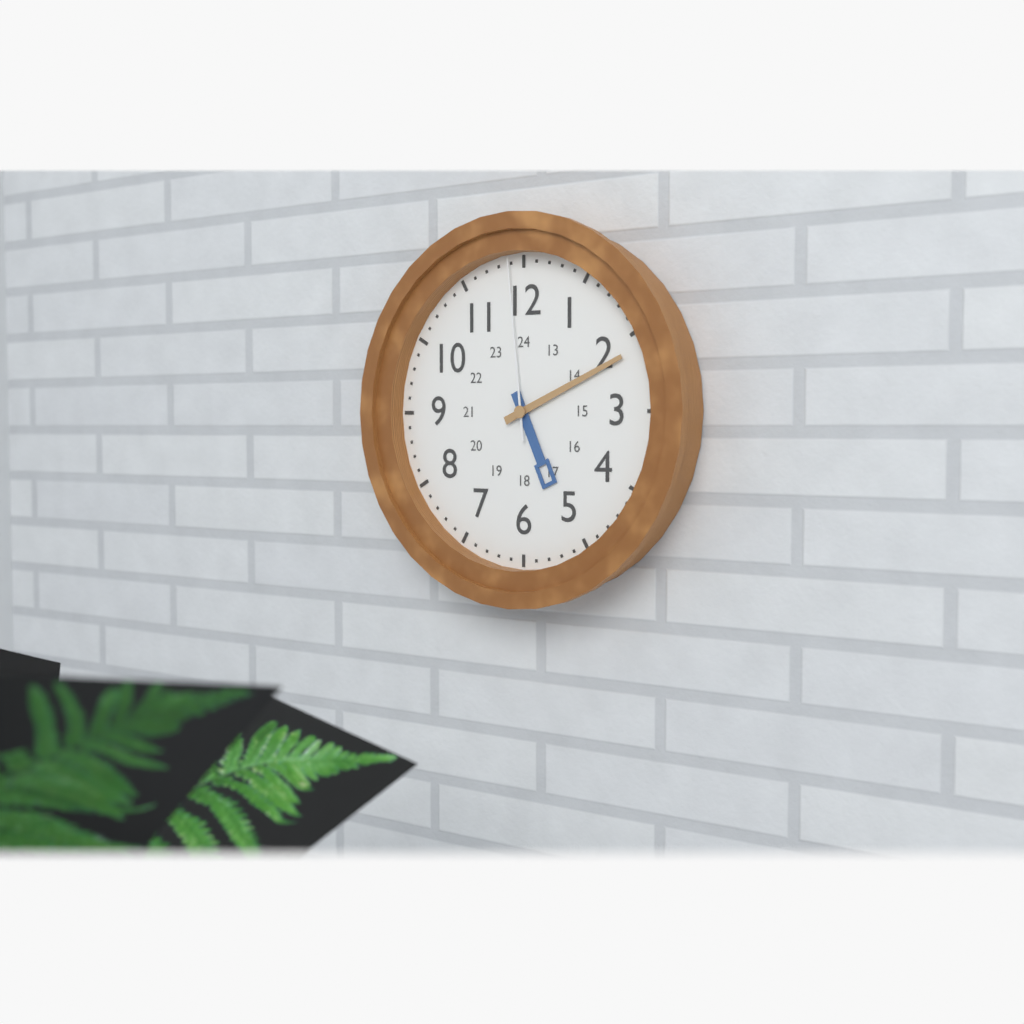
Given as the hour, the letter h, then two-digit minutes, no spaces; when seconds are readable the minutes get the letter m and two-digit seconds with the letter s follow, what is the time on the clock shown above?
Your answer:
5h11m59s
